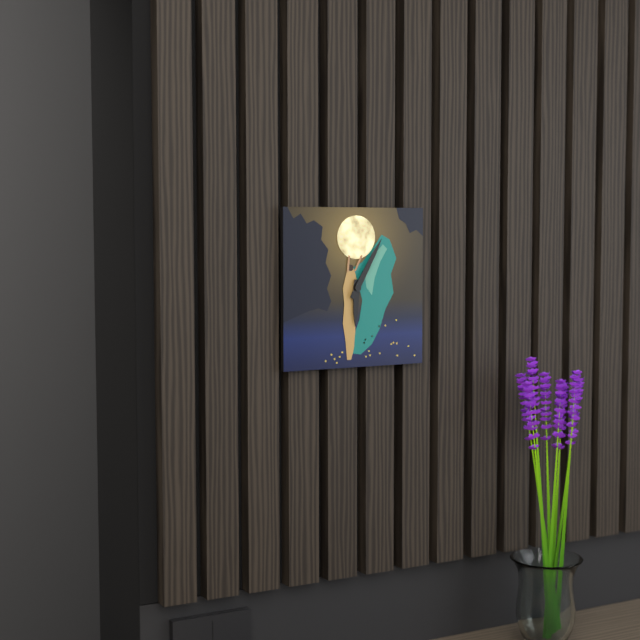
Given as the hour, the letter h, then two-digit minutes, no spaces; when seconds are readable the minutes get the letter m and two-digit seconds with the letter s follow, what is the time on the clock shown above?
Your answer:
6h05
